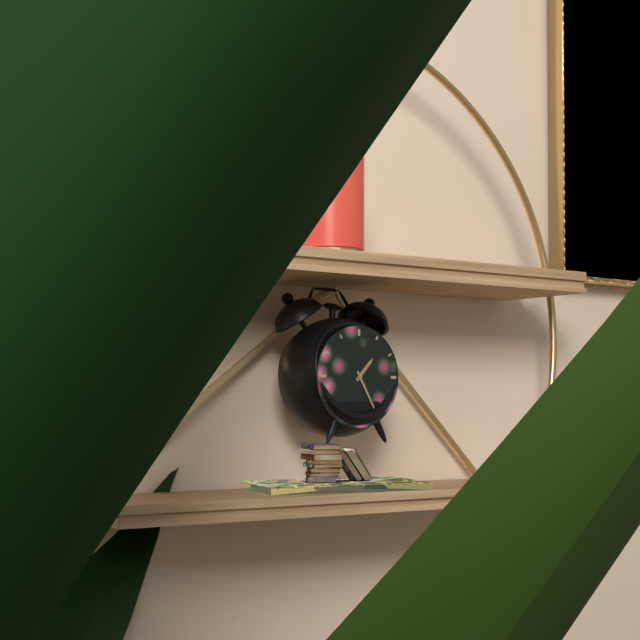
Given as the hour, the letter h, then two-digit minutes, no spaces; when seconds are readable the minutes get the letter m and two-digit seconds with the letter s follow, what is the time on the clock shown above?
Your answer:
1h25
